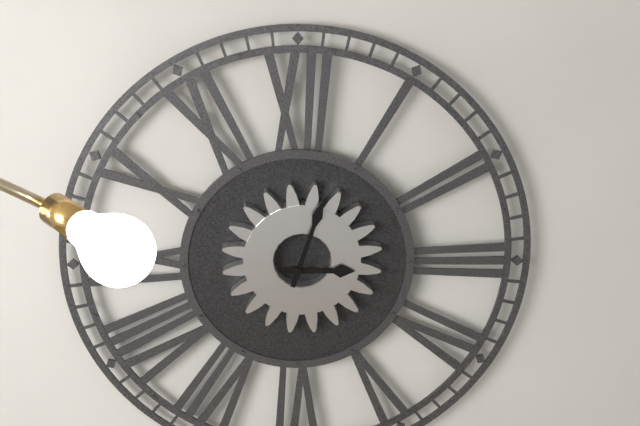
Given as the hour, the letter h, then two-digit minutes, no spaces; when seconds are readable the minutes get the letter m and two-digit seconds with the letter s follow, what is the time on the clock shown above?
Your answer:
3h03
